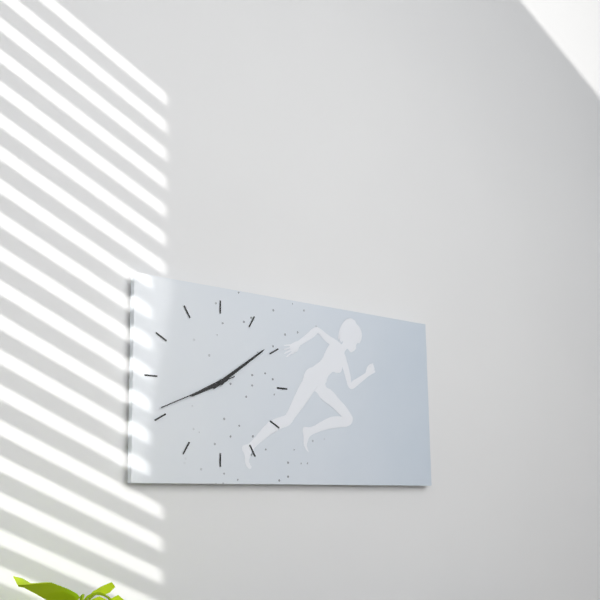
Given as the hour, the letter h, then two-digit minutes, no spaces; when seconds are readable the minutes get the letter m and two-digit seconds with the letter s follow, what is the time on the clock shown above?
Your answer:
8h09m41s
